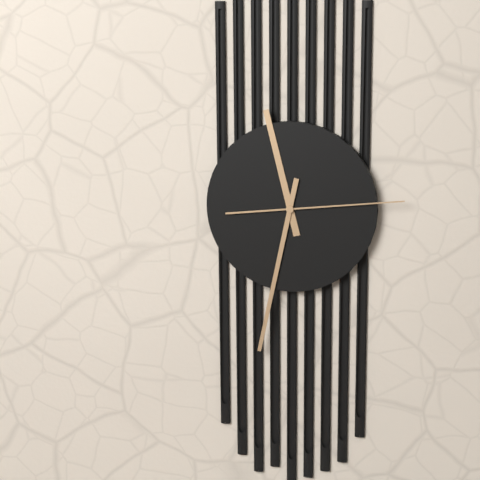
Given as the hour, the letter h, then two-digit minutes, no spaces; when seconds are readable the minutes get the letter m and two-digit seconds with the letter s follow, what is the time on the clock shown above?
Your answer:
11h32m14s
